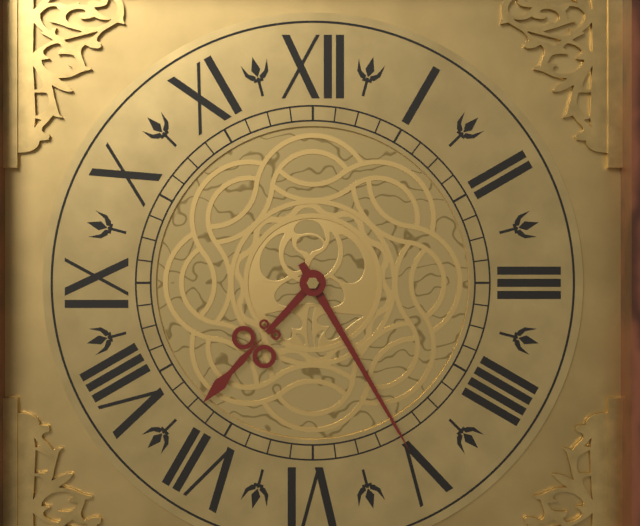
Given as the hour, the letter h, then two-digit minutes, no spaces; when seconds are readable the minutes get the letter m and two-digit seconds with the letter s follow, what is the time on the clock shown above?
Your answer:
7h25
